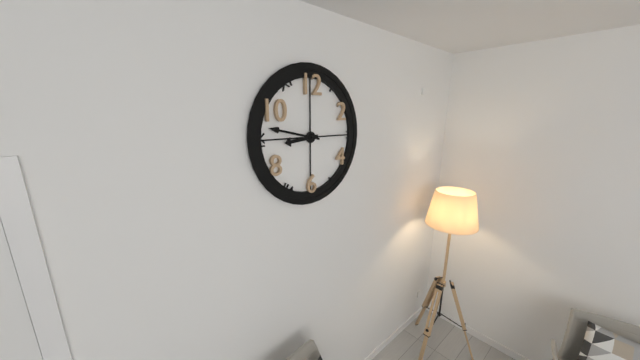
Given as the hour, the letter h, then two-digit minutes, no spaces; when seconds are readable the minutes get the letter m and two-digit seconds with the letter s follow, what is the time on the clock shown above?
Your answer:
8h47
